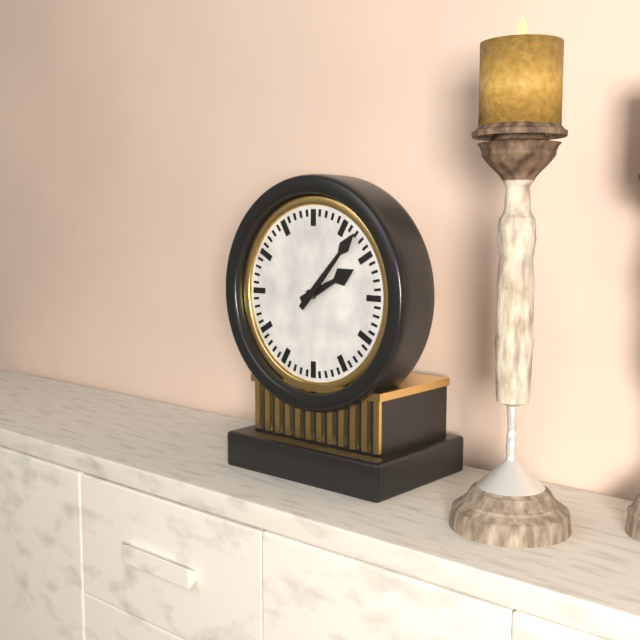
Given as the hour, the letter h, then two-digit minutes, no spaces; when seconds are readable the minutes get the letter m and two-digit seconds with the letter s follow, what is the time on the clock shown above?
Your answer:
2h07
